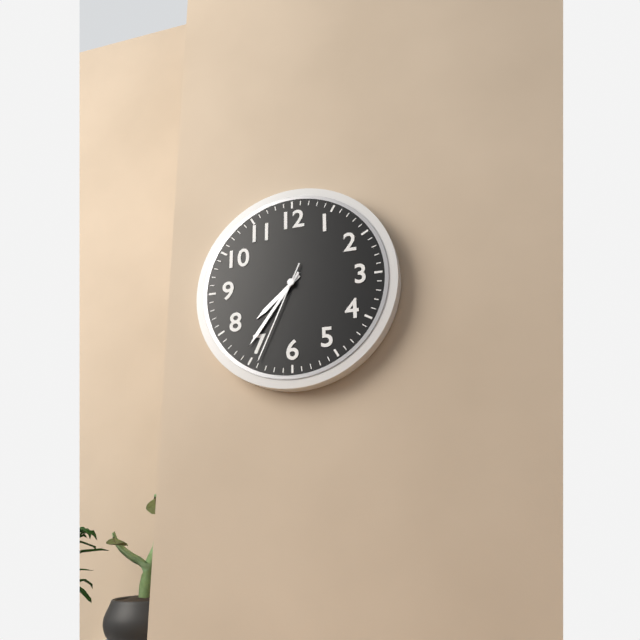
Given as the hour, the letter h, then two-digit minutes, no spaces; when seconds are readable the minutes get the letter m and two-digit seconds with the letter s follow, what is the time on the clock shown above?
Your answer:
7h36m34s
